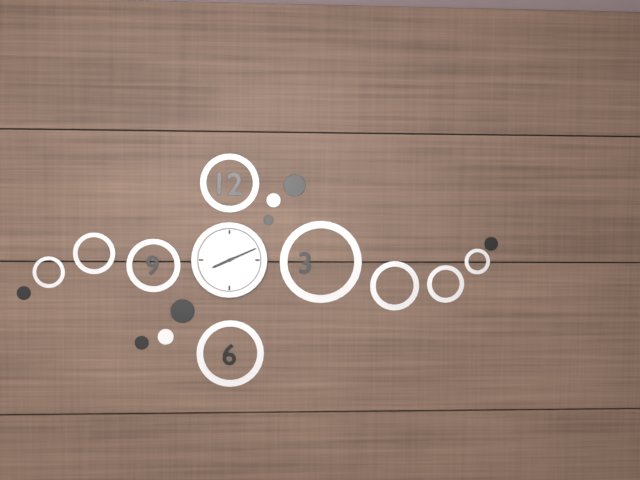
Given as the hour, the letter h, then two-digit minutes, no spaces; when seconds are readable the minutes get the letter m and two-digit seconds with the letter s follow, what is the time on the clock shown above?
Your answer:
8h11
